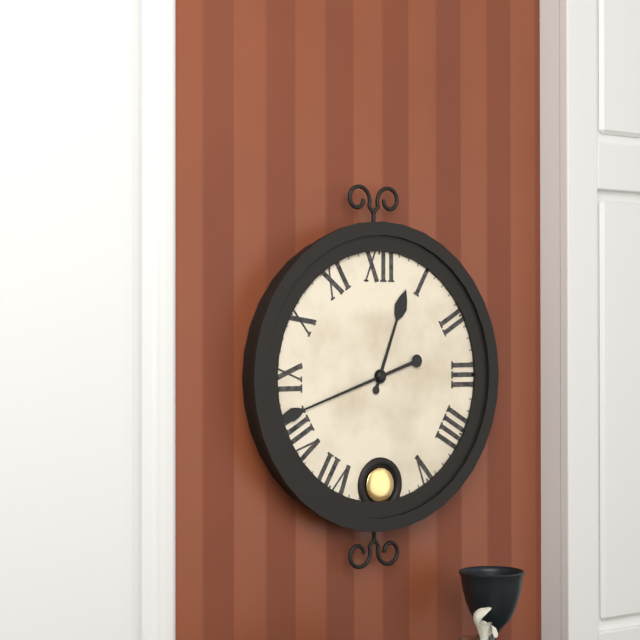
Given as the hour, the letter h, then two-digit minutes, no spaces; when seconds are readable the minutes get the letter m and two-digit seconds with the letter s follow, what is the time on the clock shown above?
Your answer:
12h42
